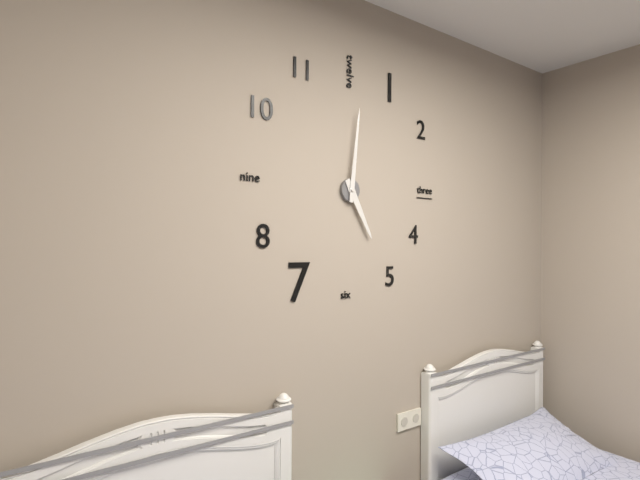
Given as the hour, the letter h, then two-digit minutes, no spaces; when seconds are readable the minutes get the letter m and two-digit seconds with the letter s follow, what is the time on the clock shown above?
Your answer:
5h01
